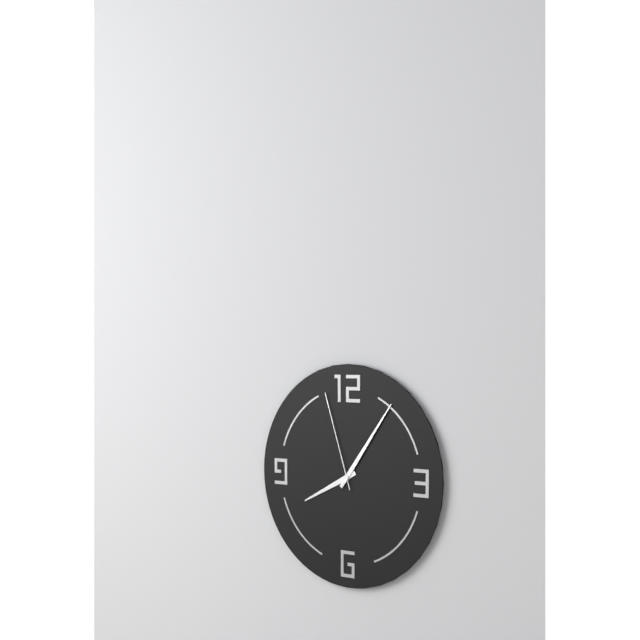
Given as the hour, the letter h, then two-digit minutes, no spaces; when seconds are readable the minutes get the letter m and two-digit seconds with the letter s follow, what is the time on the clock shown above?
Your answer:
8h06m57s
